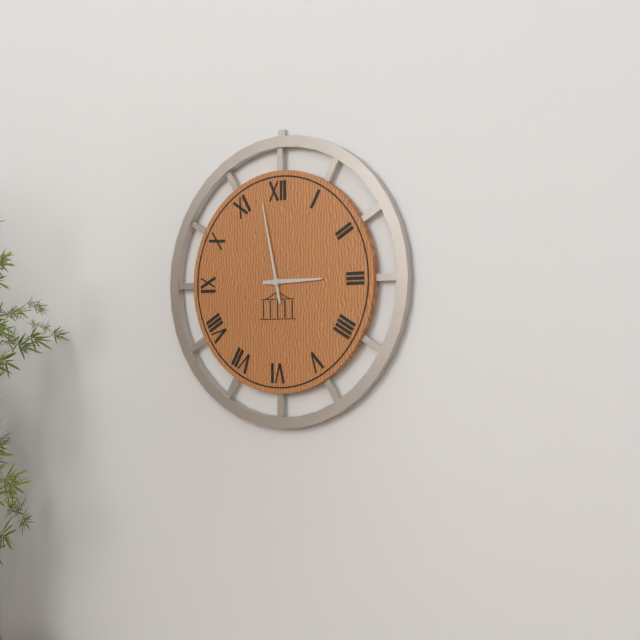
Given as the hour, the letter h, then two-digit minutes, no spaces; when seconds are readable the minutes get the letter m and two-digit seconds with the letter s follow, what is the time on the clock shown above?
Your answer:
2h58
